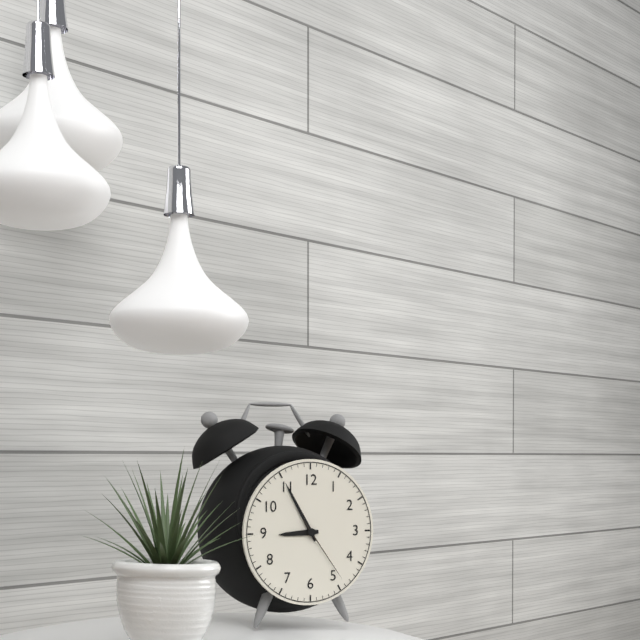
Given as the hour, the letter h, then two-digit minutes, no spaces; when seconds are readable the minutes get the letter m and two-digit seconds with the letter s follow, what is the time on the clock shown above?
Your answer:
8h55m24s
